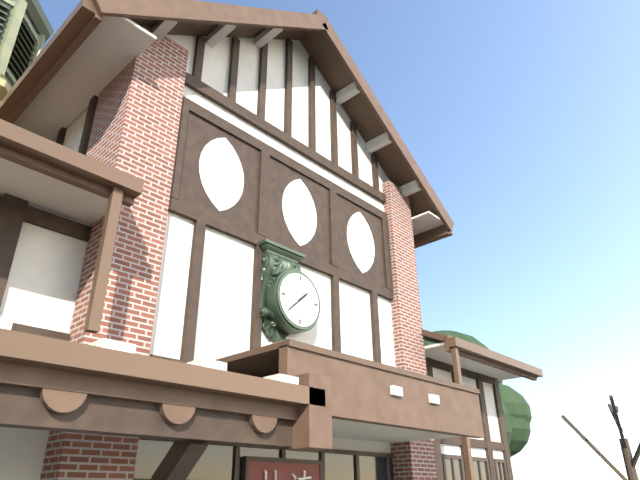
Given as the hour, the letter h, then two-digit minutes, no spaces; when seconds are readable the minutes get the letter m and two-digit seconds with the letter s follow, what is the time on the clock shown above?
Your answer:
1h38
